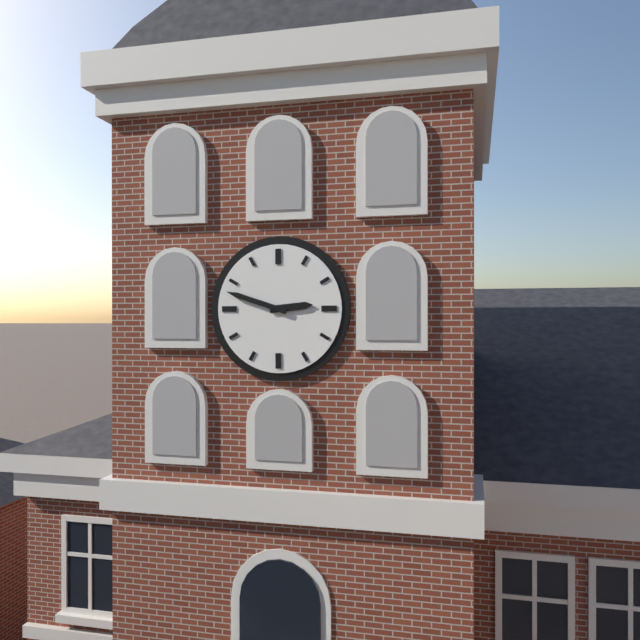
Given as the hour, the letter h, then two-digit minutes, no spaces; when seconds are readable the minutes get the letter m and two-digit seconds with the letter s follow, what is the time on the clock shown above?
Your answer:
2h48
